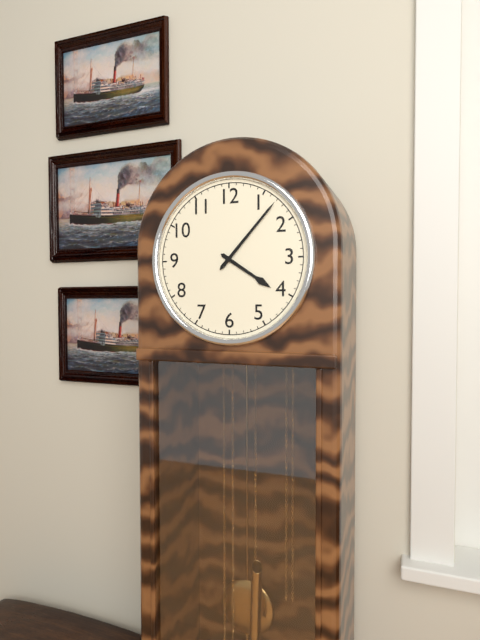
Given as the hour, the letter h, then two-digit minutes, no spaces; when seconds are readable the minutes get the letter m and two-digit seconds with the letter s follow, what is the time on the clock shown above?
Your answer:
4h07
